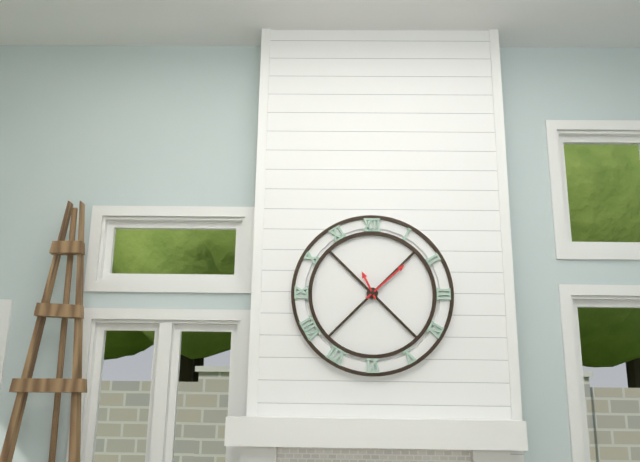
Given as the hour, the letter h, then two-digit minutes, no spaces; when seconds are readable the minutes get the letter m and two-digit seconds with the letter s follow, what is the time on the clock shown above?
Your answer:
11h08
